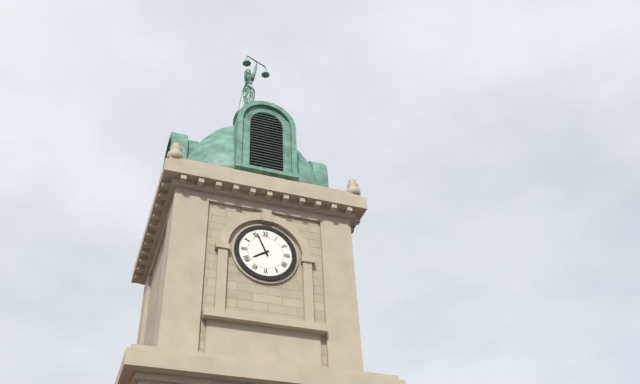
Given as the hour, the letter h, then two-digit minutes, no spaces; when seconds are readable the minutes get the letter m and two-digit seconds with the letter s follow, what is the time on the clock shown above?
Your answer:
7h56
